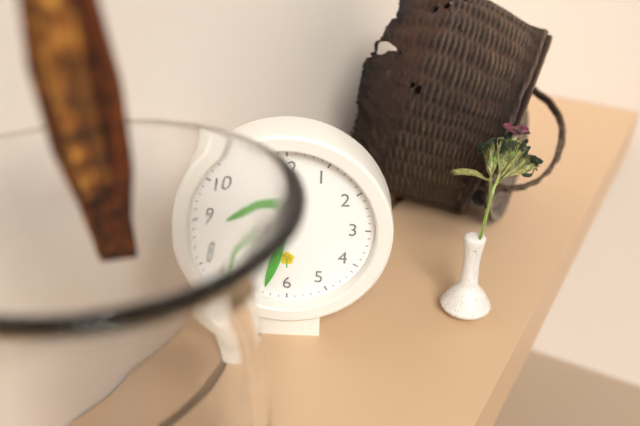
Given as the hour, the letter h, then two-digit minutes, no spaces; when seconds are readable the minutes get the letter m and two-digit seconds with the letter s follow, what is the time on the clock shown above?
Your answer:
8h33
